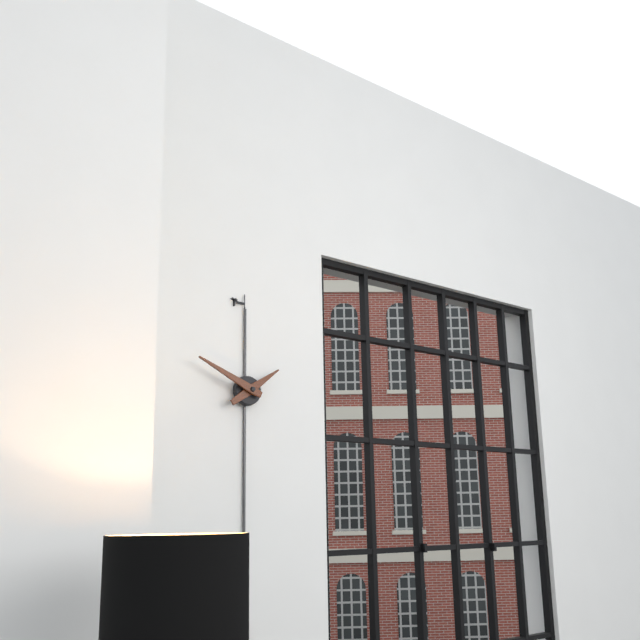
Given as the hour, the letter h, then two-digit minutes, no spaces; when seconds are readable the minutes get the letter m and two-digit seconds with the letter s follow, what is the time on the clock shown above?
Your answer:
1h49
